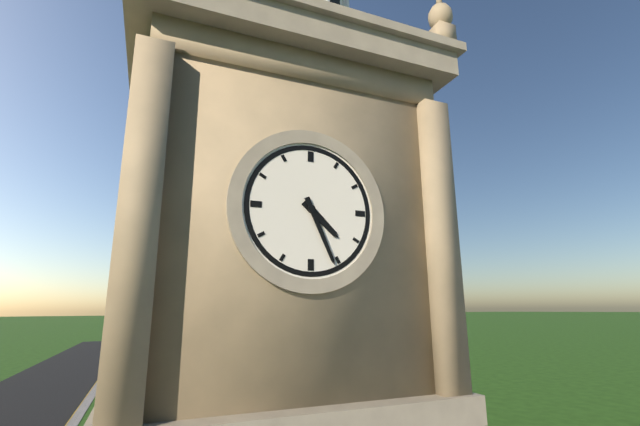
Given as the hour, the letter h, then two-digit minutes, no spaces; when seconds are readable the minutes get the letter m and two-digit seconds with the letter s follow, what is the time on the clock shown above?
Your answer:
4h26
